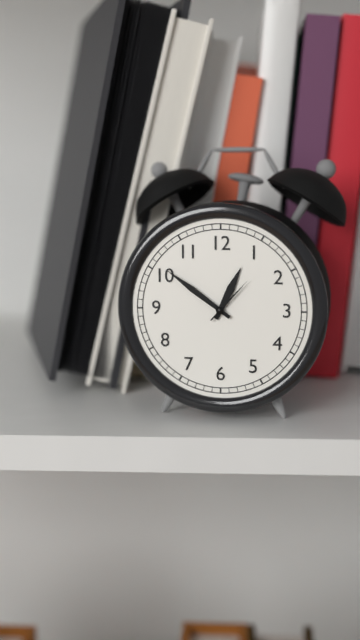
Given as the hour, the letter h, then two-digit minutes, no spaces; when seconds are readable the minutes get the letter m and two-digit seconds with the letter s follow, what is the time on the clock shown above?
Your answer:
12h51m07s
